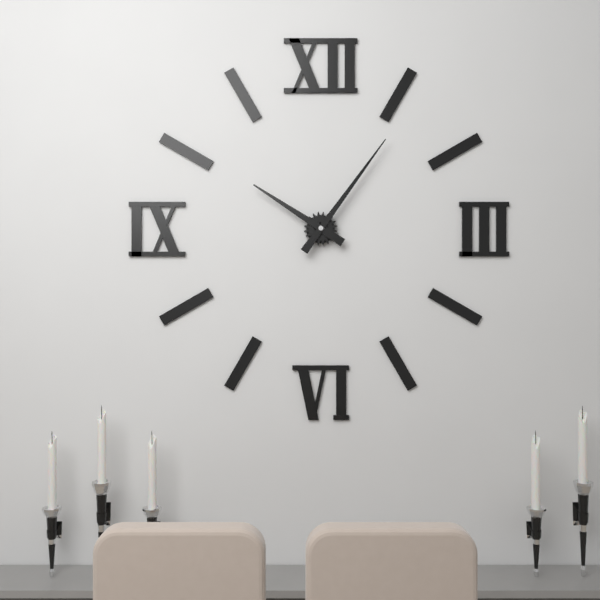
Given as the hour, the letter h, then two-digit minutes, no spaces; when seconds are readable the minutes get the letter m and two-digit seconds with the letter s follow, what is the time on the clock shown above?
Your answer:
10h06
